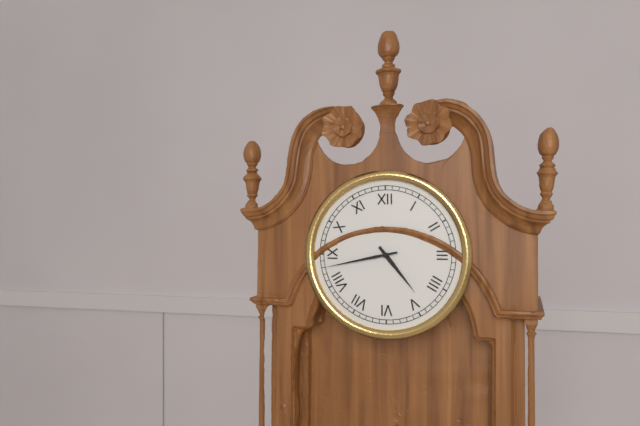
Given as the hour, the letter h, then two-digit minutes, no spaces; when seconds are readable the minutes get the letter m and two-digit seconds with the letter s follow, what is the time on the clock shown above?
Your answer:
4h43
